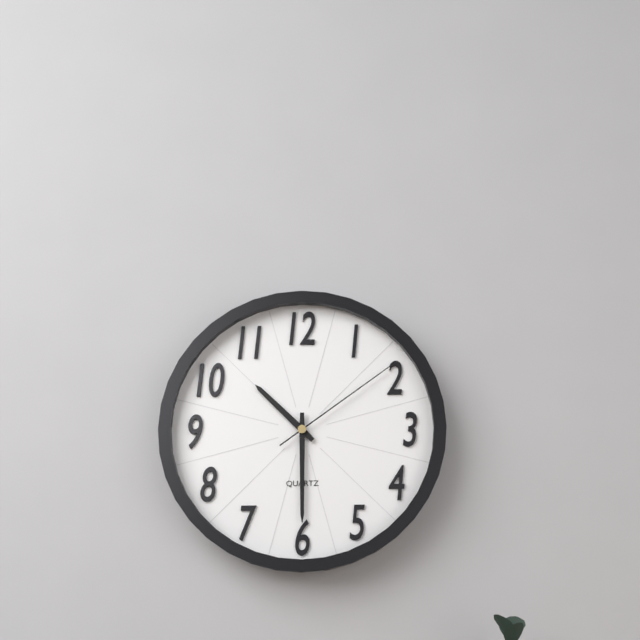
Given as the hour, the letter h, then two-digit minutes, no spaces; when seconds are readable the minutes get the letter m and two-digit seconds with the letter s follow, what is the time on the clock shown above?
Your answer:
10h30m09s
